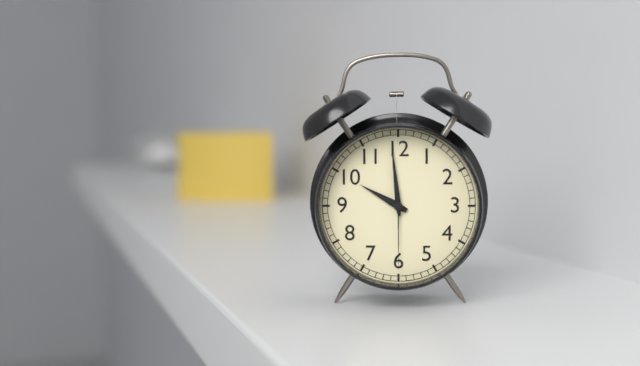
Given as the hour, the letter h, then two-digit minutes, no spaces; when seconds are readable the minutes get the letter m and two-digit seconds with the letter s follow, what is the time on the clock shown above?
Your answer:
9h59m30s
